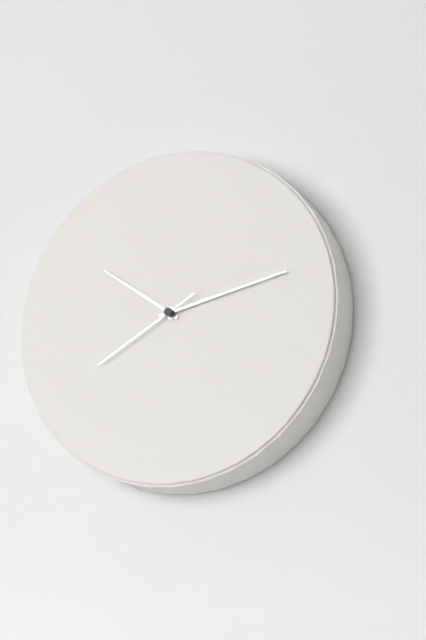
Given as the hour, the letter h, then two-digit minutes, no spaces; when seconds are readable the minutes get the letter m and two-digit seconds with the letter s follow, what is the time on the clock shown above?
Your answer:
10h13m40s
